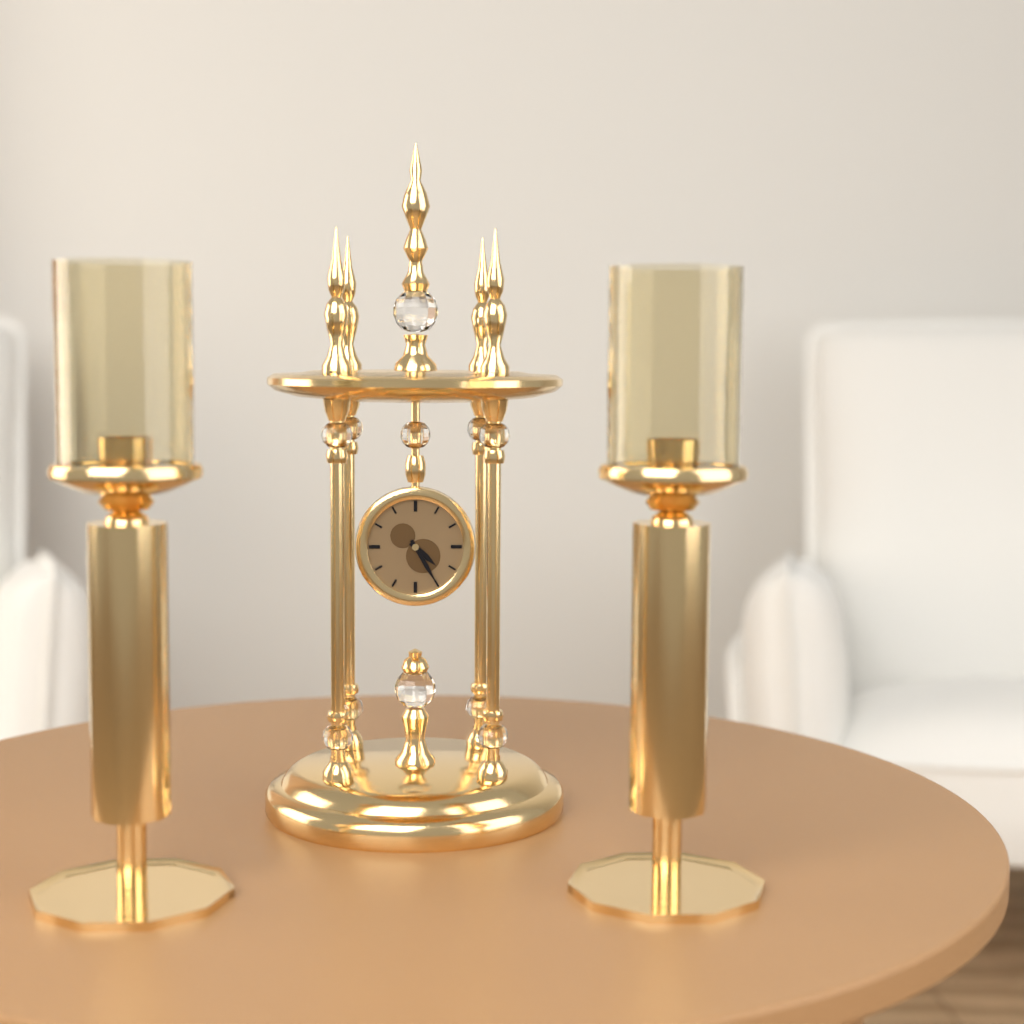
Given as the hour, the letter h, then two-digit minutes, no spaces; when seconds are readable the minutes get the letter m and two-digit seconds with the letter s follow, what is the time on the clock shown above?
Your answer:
4h25
